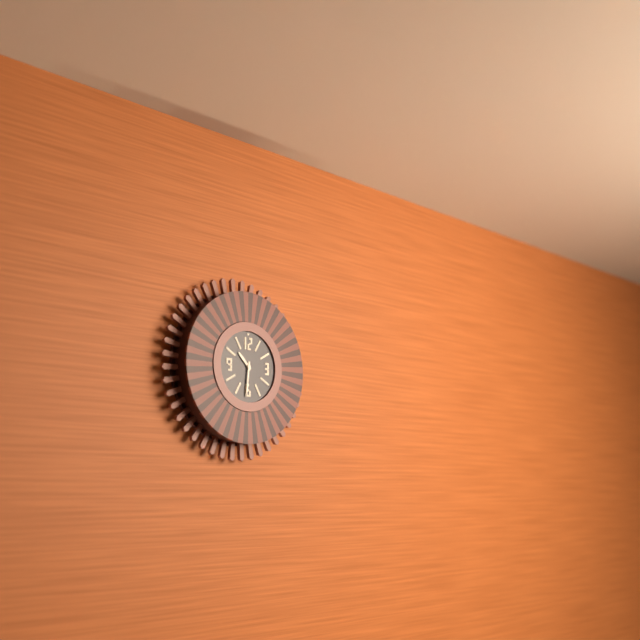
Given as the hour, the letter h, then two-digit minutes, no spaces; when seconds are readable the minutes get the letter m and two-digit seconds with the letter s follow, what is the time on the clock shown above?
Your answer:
10h31
